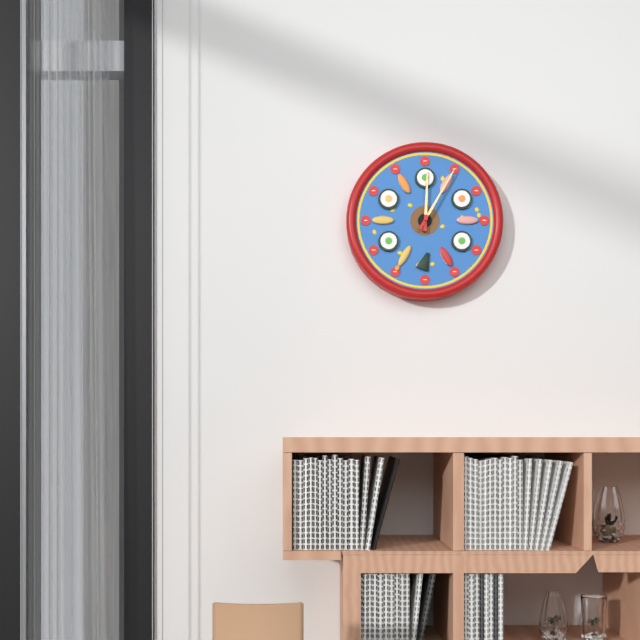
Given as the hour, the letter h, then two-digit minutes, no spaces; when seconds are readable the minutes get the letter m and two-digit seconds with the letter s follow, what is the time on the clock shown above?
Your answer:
12h05
